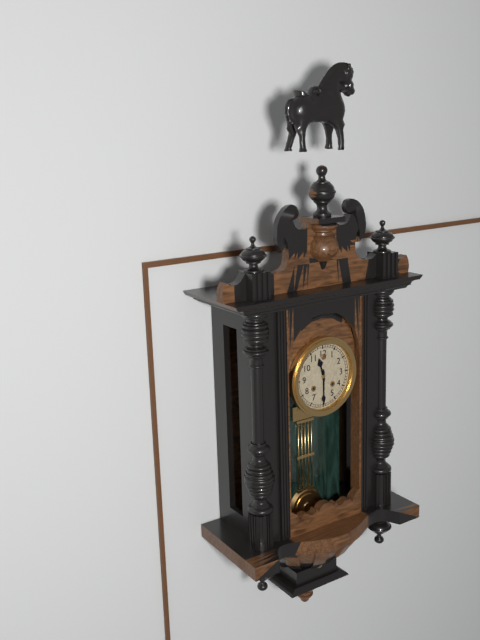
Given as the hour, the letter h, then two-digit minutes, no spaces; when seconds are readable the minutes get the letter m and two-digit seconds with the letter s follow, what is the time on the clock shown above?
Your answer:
11h30
